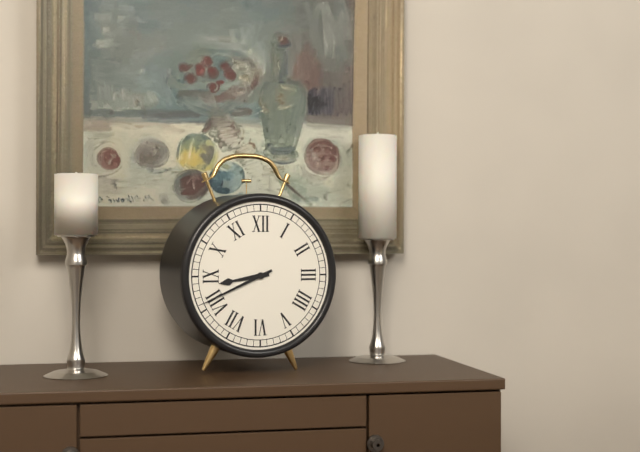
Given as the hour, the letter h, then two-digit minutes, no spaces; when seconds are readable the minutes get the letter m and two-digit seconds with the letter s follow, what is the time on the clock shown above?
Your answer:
8h41
